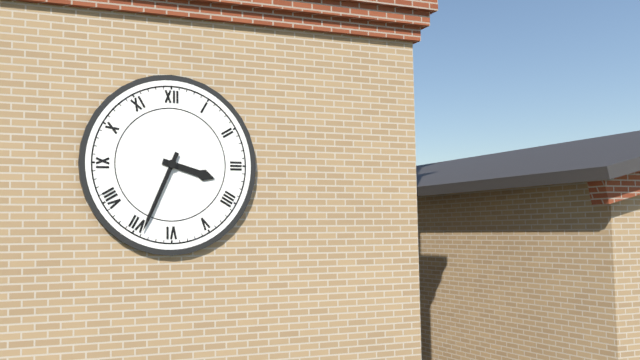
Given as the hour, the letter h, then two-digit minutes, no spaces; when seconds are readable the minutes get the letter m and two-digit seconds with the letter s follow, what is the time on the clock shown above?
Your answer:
3h34
